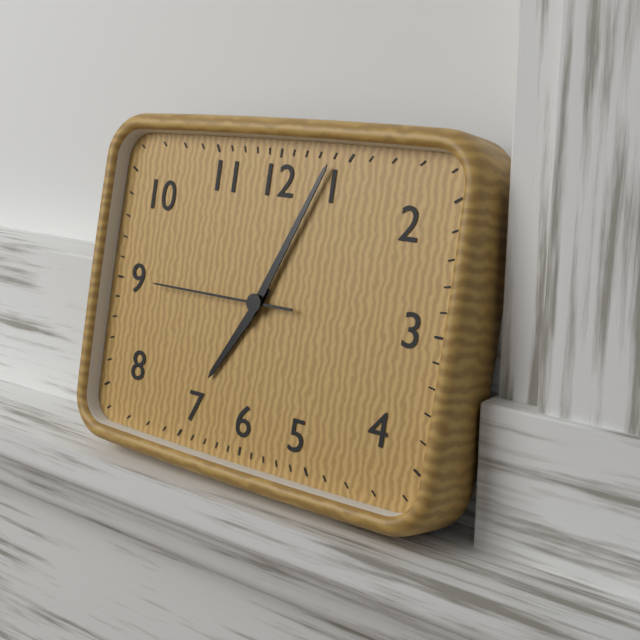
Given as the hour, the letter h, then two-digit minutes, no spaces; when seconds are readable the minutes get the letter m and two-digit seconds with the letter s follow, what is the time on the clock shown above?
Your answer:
7h04m45s
